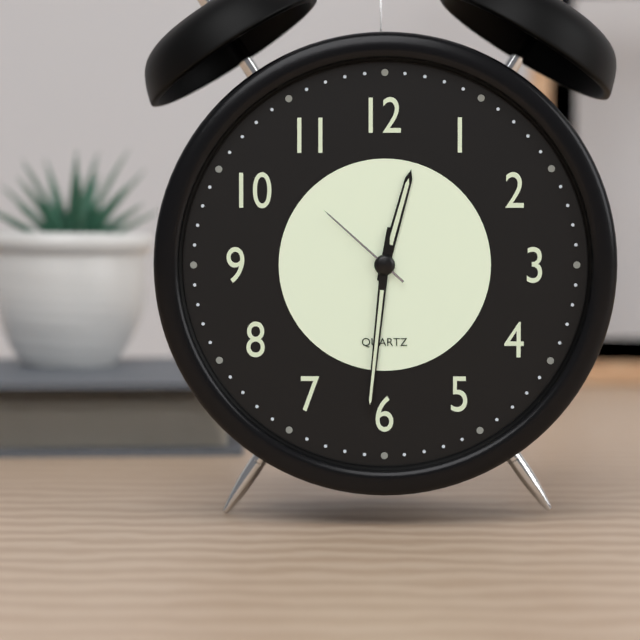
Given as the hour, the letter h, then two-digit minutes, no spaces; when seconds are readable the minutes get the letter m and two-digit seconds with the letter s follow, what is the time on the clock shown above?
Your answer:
12h31m52s
